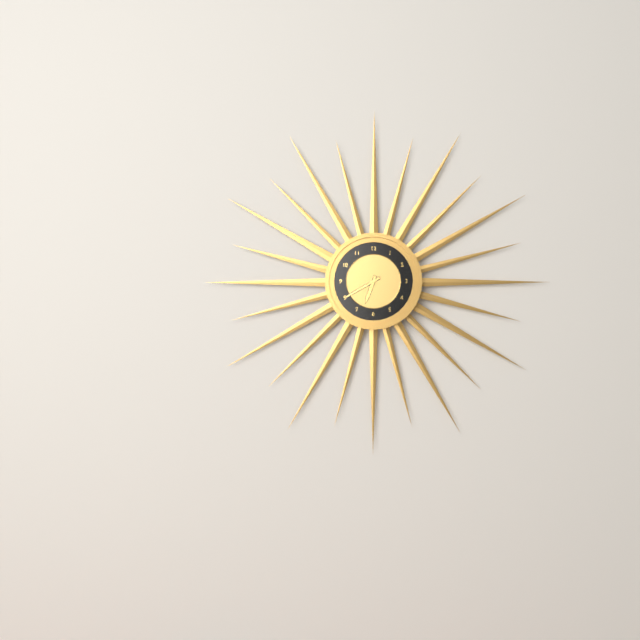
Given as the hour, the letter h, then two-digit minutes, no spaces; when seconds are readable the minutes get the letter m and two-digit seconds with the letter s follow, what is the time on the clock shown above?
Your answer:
6h40
